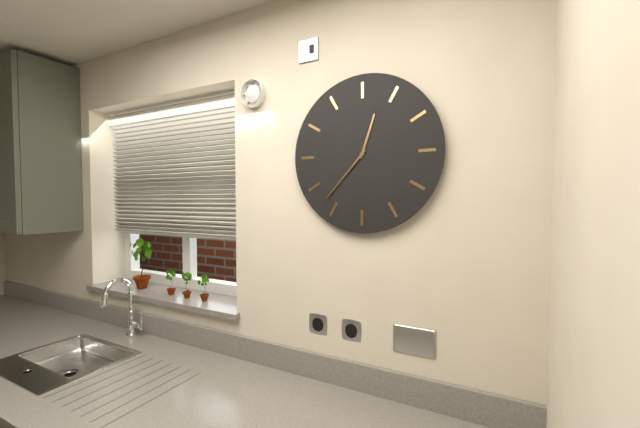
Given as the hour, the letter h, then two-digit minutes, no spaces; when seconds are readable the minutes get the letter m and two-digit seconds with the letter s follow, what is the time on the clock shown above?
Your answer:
12h37
